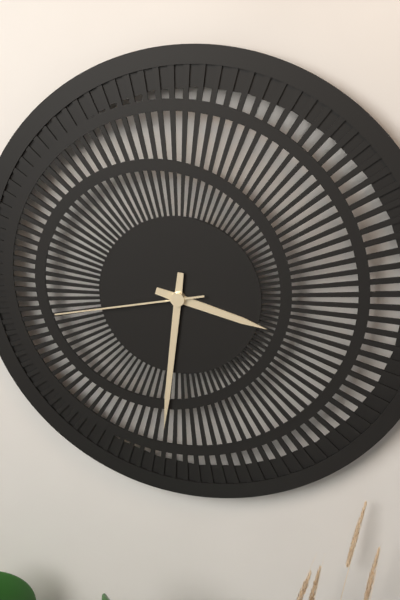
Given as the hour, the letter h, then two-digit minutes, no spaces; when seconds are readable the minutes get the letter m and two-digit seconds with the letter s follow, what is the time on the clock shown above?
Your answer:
3h31m43s
